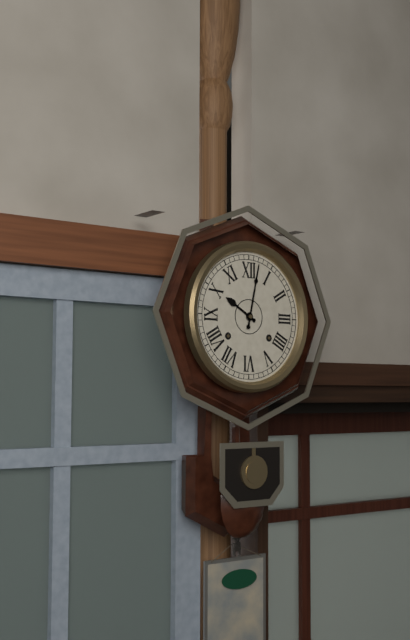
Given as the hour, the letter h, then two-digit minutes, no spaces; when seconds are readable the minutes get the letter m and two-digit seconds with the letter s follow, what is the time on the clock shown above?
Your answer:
10h02
